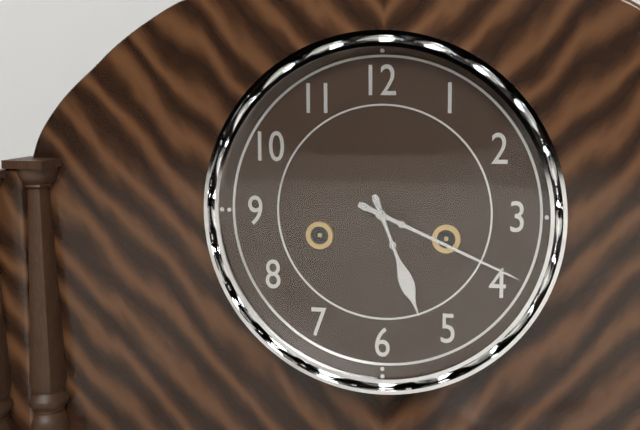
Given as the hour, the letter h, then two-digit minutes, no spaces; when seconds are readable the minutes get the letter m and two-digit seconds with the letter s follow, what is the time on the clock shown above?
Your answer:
5h19
